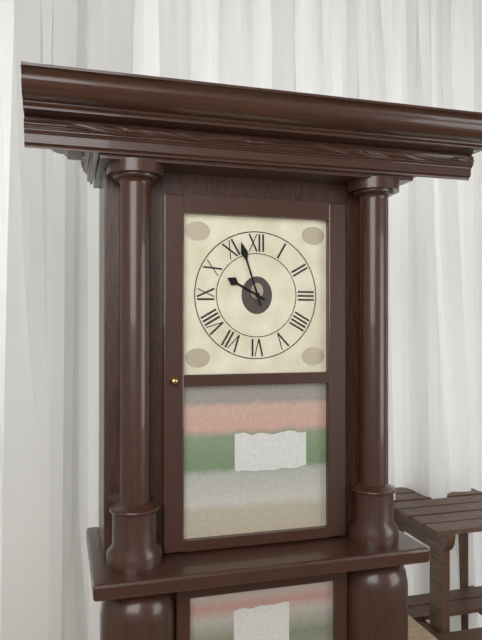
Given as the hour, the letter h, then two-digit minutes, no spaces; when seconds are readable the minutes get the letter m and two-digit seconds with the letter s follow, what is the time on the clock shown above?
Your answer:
9h57
